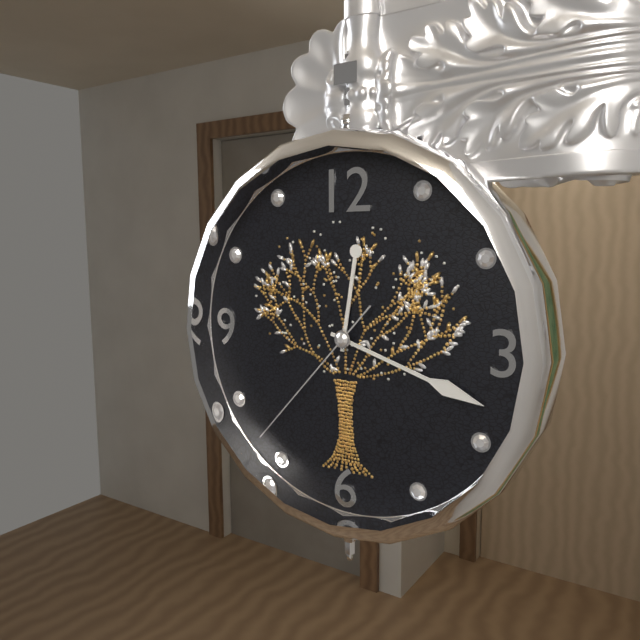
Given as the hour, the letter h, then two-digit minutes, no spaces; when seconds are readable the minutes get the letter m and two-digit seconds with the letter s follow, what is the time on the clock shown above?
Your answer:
12h18m37s
